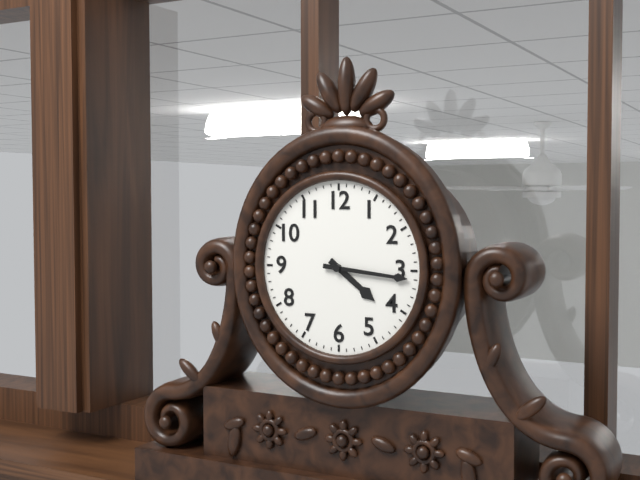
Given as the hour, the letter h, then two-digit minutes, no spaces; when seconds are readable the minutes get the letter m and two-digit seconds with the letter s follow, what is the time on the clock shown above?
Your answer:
4h16
